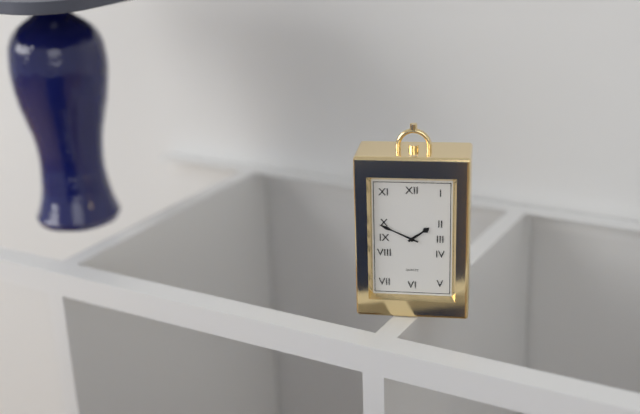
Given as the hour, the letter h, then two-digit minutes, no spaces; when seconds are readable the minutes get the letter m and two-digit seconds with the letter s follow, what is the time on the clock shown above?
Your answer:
1h49
